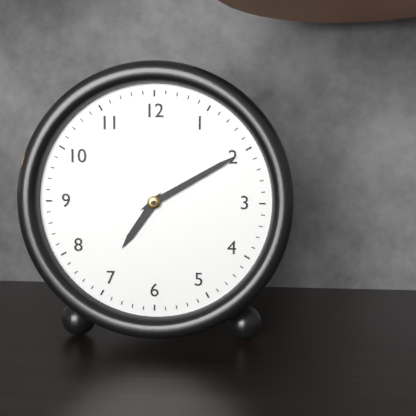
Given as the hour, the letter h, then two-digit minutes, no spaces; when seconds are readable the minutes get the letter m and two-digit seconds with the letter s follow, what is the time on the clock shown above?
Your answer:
7h10
